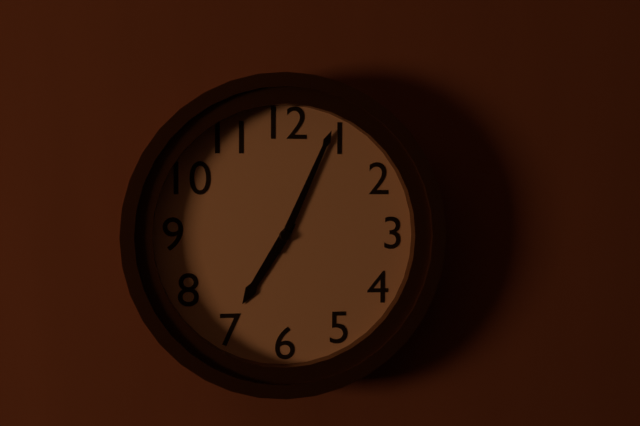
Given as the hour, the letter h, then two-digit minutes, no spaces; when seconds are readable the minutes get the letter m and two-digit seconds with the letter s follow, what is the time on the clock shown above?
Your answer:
7h04
